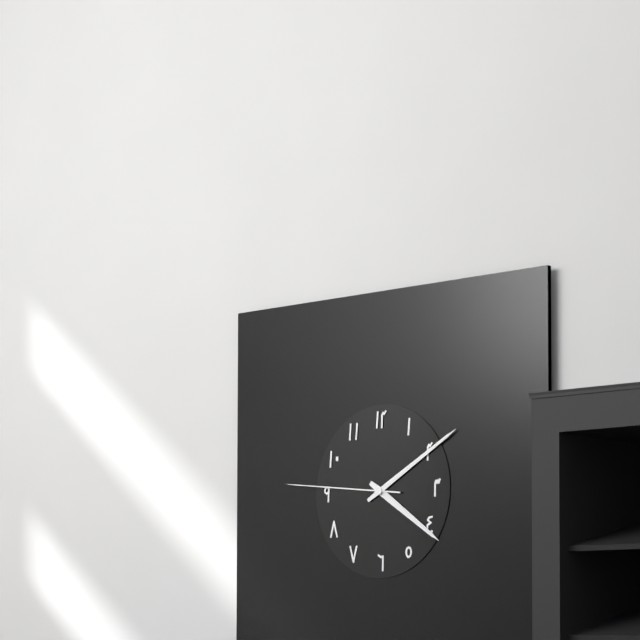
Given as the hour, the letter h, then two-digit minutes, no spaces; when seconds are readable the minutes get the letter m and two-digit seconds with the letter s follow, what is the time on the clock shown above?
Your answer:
4h10m46s
